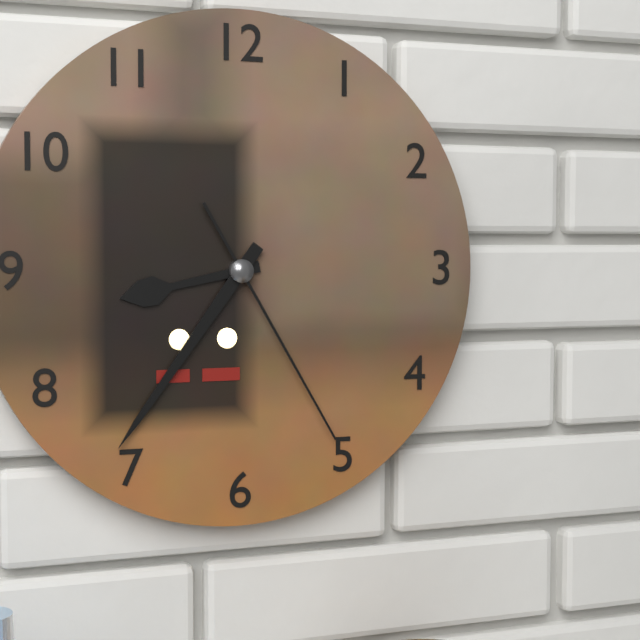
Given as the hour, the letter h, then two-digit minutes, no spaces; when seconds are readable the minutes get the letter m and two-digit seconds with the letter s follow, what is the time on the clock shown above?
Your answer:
8h36m25s
